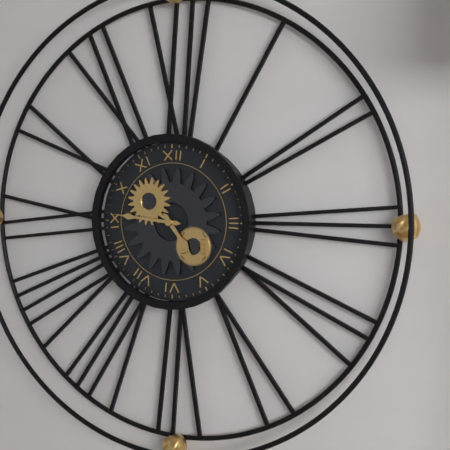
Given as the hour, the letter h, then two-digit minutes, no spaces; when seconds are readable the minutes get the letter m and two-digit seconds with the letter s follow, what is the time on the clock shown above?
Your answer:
4h46
